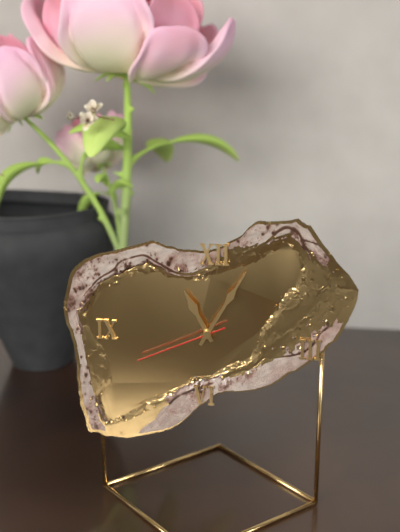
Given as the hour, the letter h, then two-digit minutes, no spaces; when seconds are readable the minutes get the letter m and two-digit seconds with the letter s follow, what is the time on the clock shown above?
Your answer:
11h05m41s
